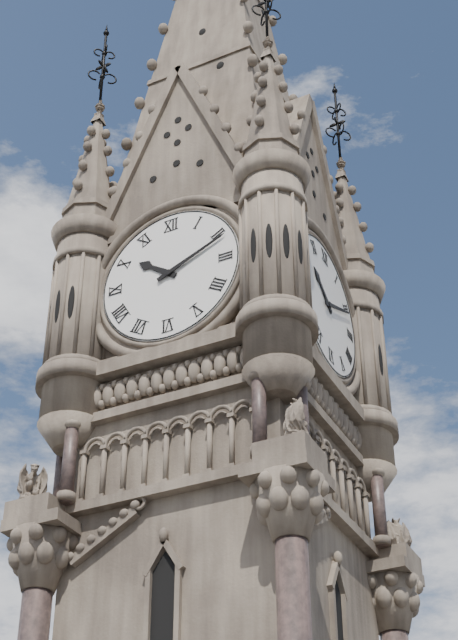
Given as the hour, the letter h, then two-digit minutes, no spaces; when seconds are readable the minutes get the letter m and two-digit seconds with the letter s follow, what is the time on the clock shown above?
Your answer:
10h11
